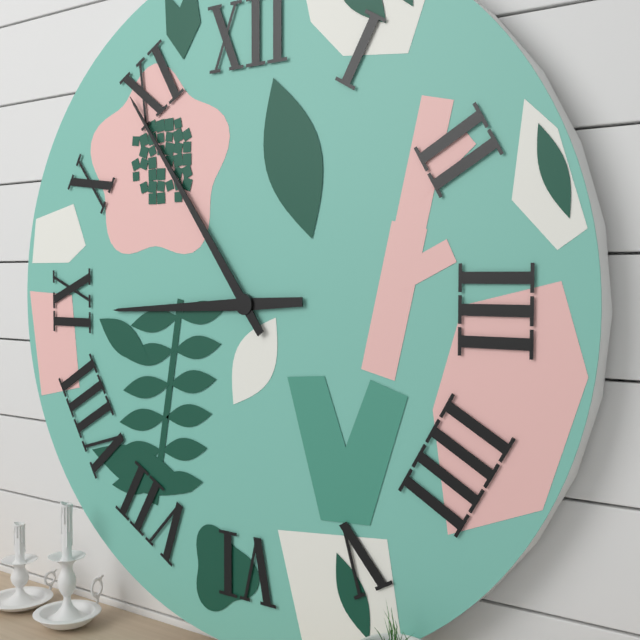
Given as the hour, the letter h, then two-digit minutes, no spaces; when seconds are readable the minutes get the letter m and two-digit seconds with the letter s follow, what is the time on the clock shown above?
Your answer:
8h54
